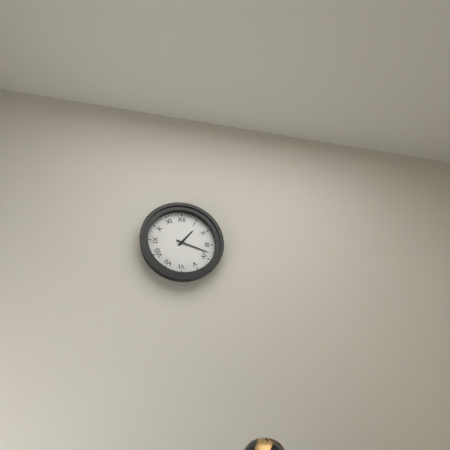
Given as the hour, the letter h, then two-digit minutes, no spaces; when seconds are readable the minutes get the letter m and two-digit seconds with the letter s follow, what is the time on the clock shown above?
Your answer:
1h18
